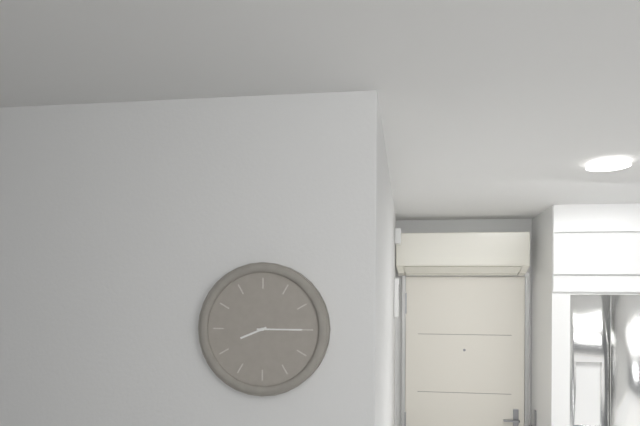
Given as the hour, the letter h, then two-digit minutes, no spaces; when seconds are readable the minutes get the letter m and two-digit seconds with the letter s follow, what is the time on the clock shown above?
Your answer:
8h15
